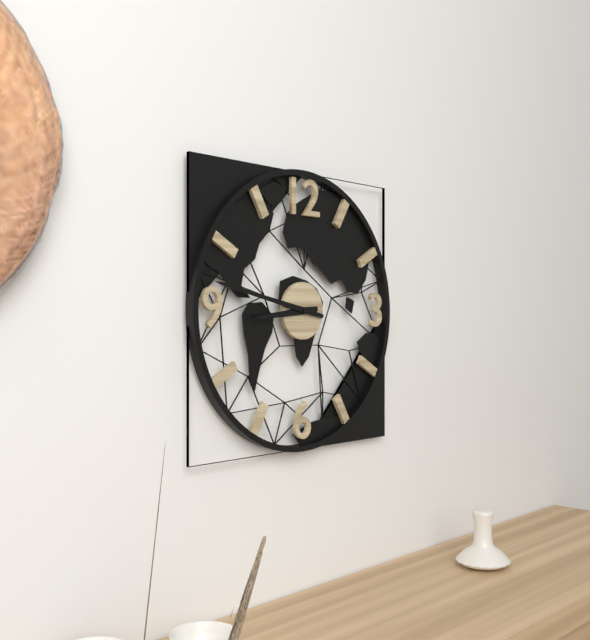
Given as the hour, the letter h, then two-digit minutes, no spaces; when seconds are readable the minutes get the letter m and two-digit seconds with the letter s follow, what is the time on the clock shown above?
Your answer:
8h47
